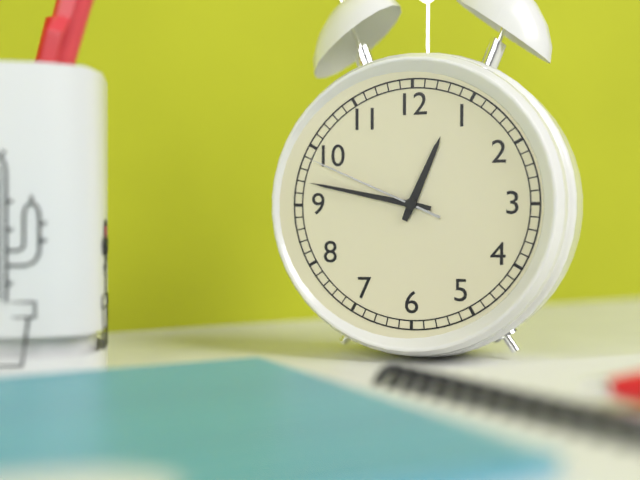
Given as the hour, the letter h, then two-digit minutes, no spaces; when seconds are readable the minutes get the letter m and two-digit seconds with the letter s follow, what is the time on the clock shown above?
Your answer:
12h47m49s
